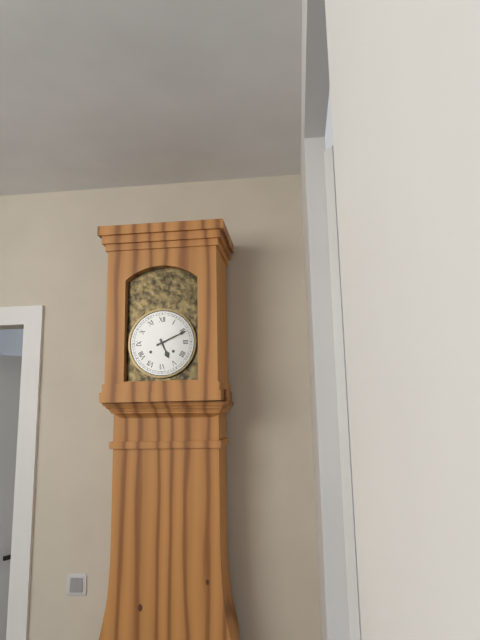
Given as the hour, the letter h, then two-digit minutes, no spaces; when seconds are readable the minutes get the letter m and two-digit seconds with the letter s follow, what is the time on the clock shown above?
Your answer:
5h11
